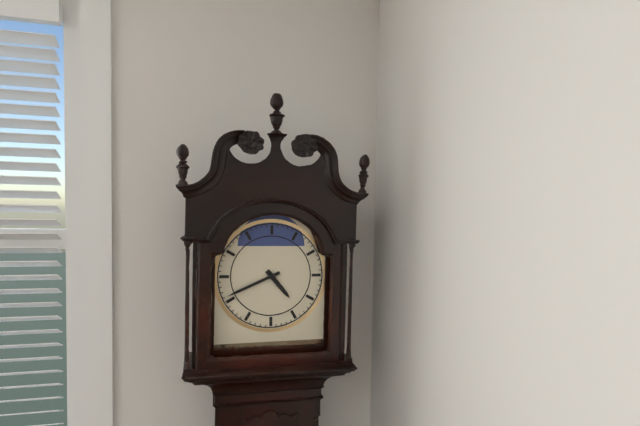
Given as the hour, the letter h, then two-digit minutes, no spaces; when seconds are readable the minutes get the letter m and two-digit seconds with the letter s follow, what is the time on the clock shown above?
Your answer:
4h41
